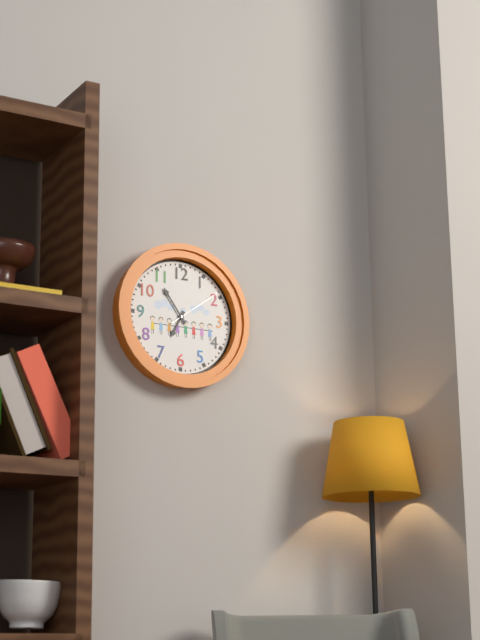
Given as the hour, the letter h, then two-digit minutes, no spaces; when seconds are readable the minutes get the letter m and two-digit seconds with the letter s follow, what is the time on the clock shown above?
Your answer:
6h54m09s
